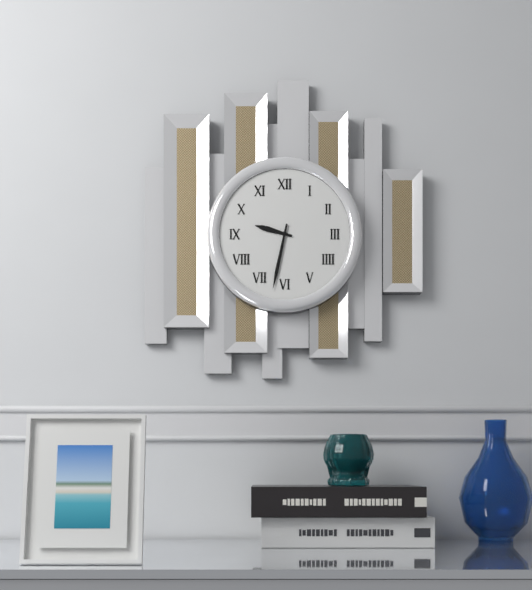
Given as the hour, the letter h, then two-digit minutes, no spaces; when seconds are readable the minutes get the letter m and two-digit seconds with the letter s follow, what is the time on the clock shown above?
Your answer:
9h32
